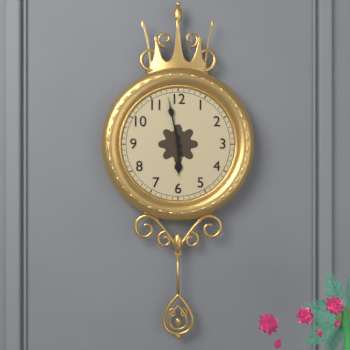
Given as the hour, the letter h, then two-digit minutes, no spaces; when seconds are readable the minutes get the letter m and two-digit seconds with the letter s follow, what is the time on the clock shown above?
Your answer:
5h58
